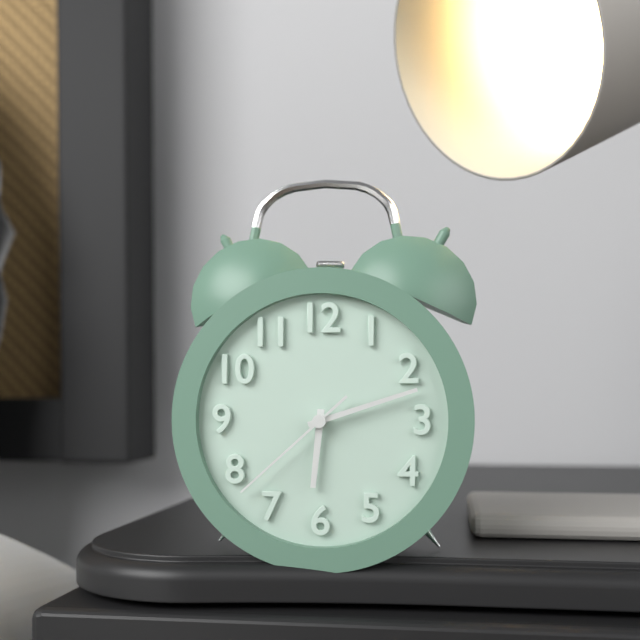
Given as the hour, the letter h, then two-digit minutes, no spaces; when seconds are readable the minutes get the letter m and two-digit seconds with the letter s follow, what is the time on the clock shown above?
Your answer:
6h12m38s
